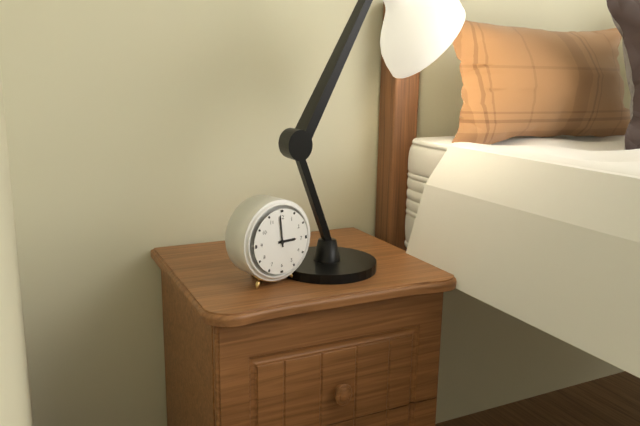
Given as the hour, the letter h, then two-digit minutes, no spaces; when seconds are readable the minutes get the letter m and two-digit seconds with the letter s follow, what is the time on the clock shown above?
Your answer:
2h59
